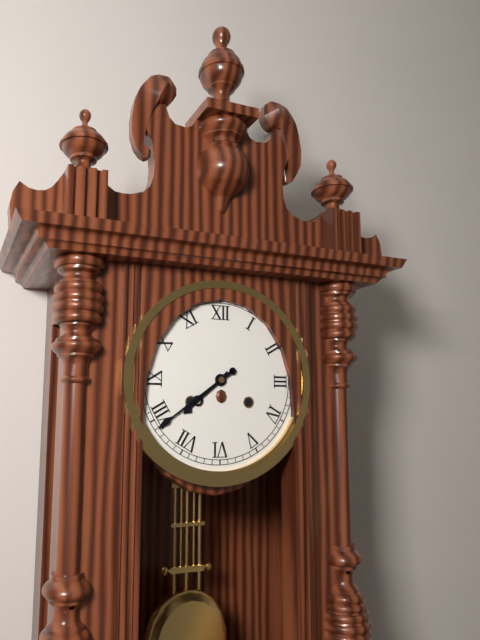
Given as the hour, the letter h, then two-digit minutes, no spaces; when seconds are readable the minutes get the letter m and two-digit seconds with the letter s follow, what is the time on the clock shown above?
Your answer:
7h39
